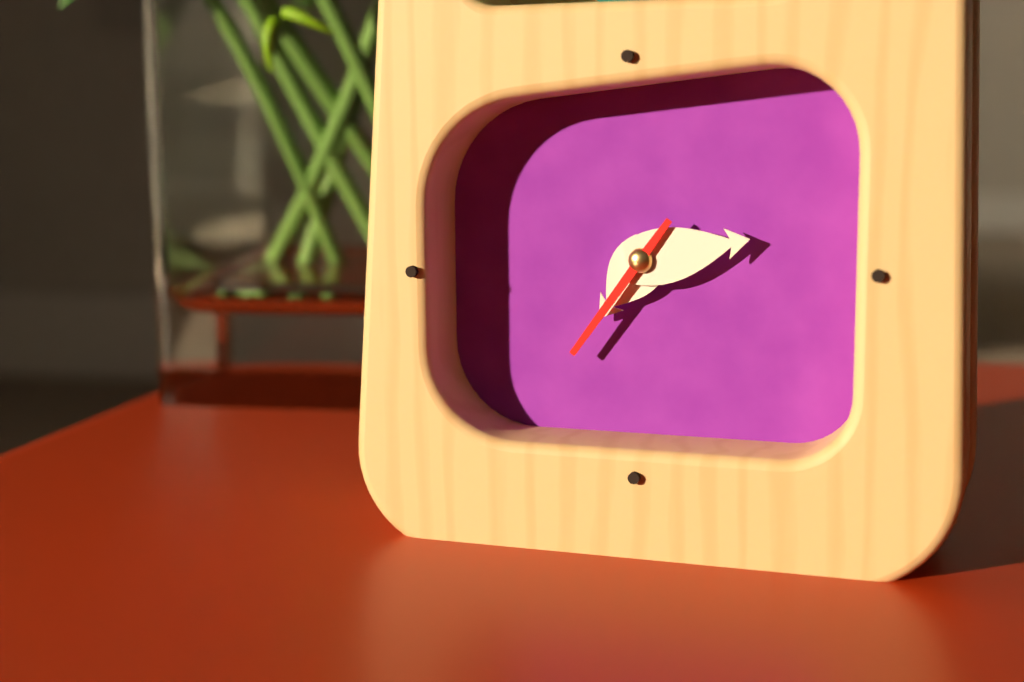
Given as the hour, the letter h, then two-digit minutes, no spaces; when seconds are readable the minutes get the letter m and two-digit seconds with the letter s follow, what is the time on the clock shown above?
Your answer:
7h13m36s
